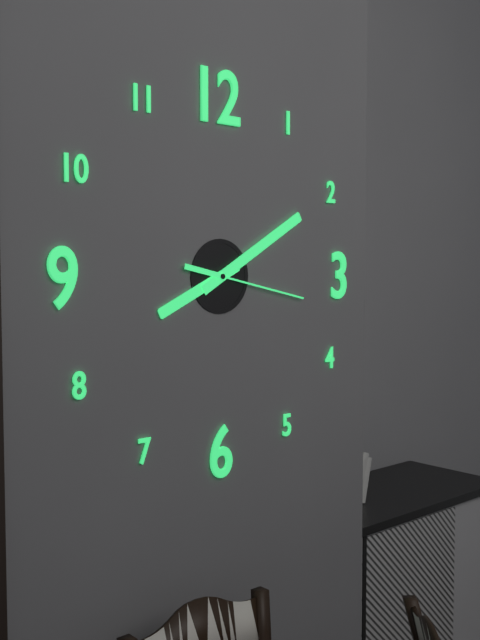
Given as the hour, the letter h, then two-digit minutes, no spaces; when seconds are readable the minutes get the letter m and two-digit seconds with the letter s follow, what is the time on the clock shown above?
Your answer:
8h10m17s
